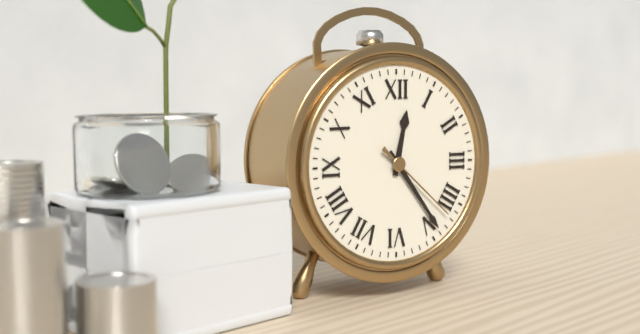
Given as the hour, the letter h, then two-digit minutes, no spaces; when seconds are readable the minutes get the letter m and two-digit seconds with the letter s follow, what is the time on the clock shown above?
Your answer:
12h24m22s
